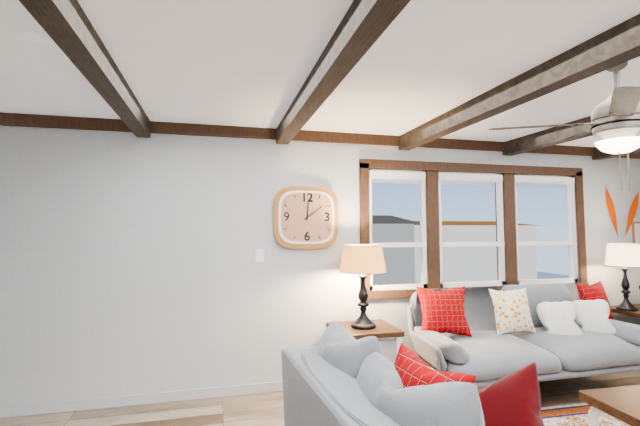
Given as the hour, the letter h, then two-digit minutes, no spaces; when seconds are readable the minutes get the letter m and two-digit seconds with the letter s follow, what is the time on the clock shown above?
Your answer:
12h09
